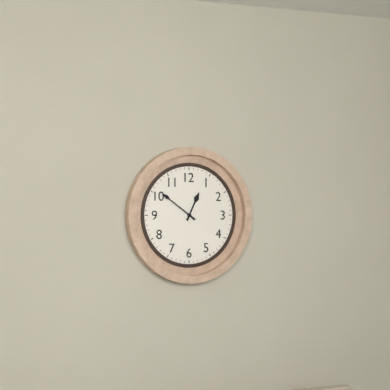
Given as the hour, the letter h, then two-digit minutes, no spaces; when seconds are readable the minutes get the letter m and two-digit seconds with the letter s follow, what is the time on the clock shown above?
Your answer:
12h51
